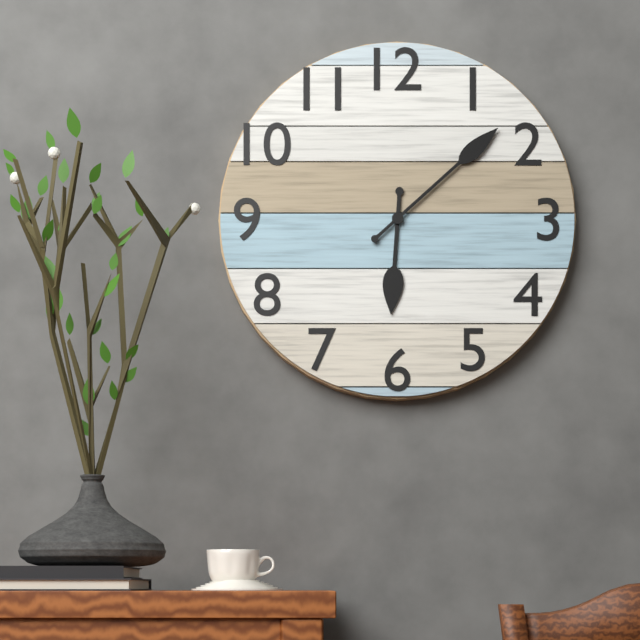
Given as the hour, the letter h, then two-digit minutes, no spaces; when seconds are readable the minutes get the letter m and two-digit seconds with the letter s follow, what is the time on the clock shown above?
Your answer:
6h08
